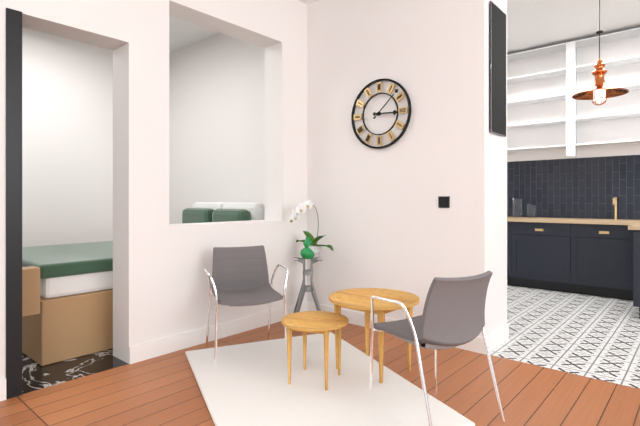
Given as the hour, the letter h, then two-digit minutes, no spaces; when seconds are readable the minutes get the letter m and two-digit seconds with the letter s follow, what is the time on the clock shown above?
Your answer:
3h08
